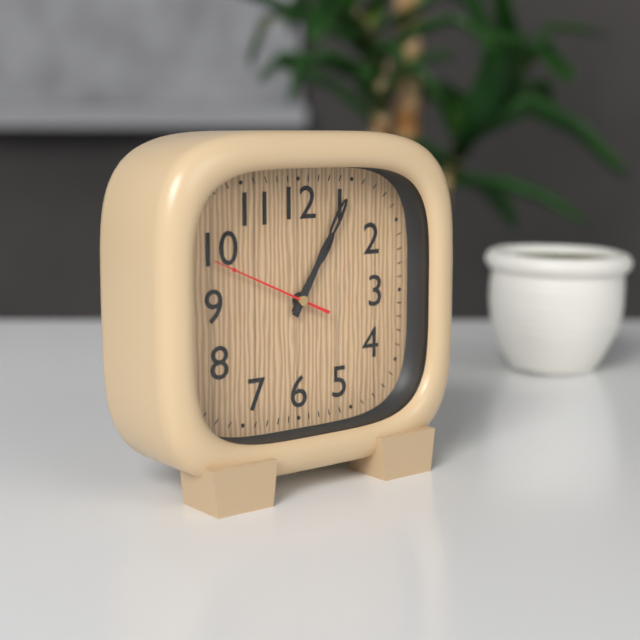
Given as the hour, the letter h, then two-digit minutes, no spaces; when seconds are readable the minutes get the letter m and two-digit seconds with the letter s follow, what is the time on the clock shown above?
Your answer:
1h05m49s
